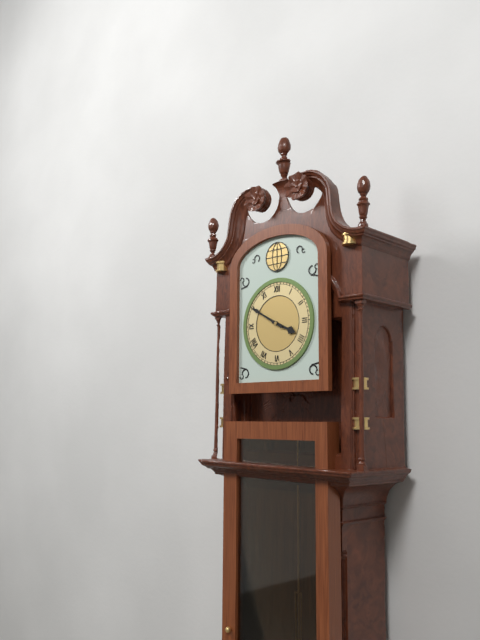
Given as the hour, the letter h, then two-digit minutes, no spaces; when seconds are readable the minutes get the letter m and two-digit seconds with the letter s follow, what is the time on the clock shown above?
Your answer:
3h50
